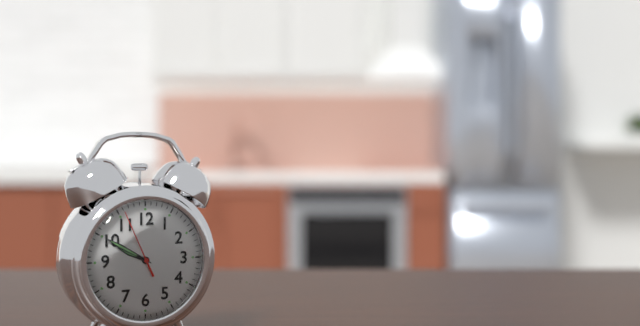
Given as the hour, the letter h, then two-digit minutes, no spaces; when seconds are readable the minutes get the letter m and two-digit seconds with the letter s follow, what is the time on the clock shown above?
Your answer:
9h50m56s
